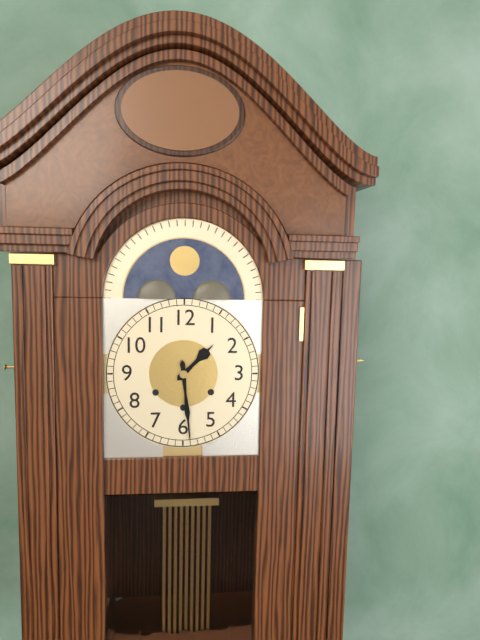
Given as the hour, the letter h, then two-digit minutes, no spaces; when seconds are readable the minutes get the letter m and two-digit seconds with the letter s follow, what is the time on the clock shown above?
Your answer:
1h29
